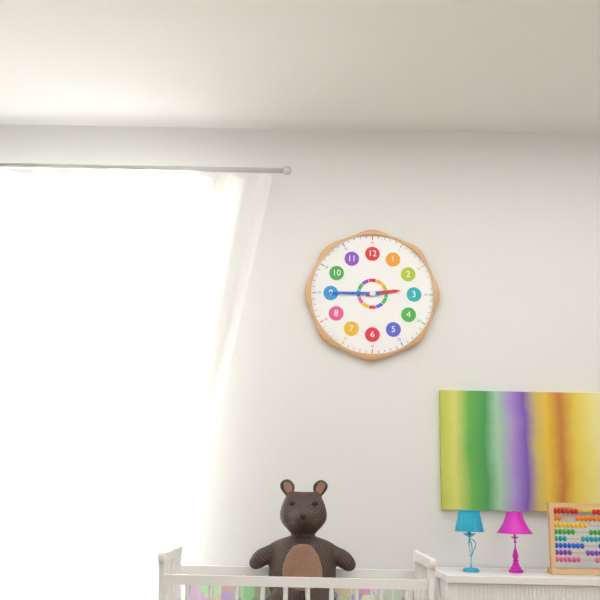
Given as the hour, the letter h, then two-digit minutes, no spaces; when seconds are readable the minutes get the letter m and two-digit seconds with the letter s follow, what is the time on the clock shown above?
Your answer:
2h45
